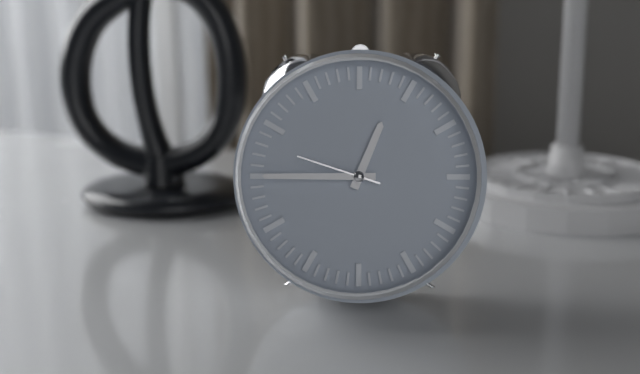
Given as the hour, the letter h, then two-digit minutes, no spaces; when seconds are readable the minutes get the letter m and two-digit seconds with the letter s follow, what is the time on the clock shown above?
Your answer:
12h45m48s
